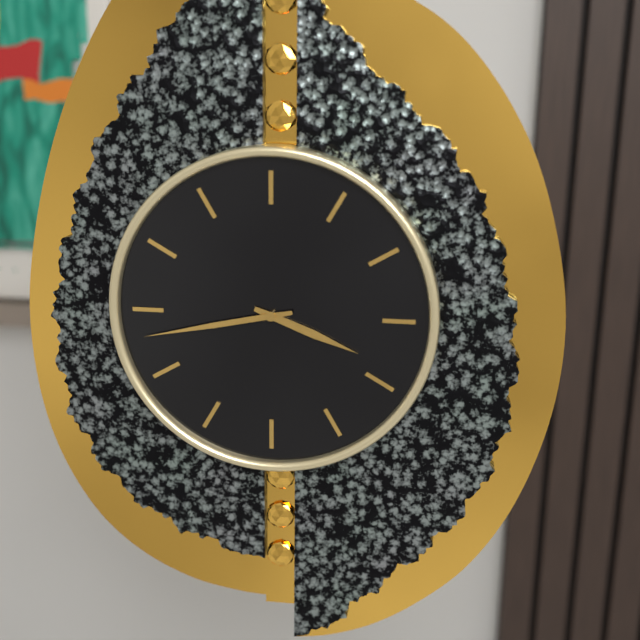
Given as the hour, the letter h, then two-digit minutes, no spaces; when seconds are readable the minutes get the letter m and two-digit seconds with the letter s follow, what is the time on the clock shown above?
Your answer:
3h43
